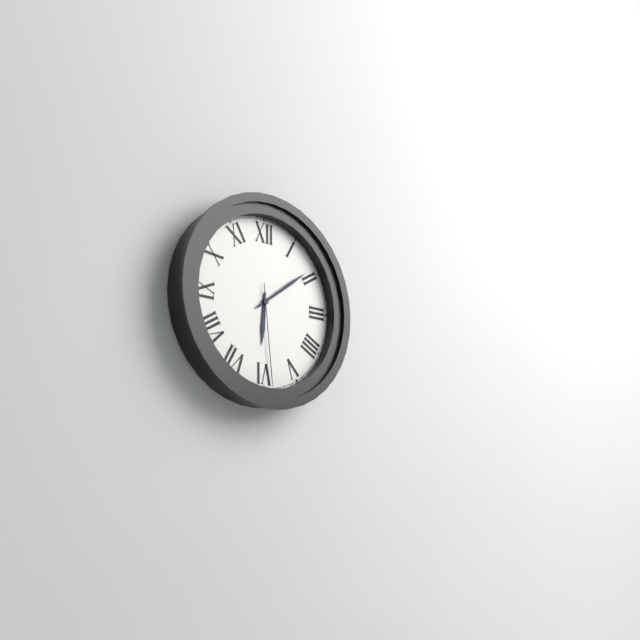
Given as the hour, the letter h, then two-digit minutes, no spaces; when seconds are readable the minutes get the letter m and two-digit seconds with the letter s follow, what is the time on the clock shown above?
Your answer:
6h09m29s
